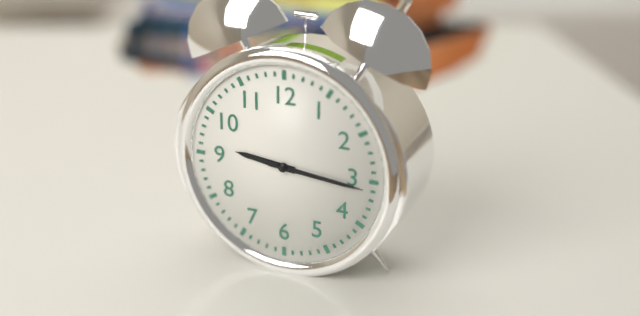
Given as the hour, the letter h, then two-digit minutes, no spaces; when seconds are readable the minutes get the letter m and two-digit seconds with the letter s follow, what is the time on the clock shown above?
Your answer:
9h16
